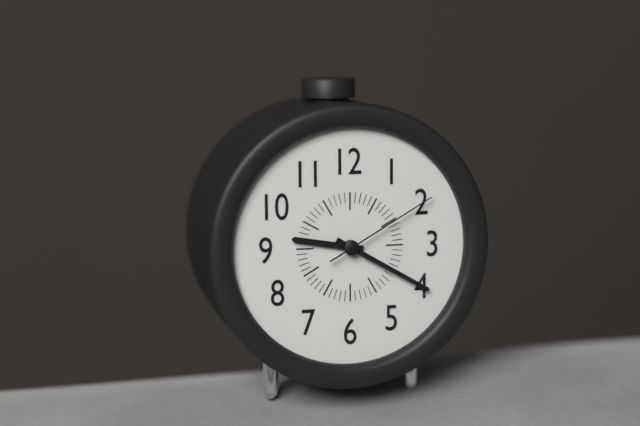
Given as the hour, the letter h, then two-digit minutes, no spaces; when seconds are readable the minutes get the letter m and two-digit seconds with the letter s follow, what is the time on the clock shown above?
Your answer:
9h20m10s
